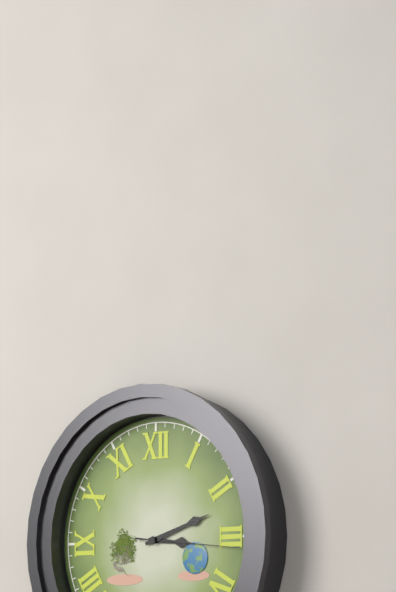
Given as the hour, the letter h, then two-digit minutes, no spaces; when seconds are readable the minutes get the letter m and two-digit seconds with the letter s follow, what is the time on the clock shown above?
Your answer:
3h12m16s
